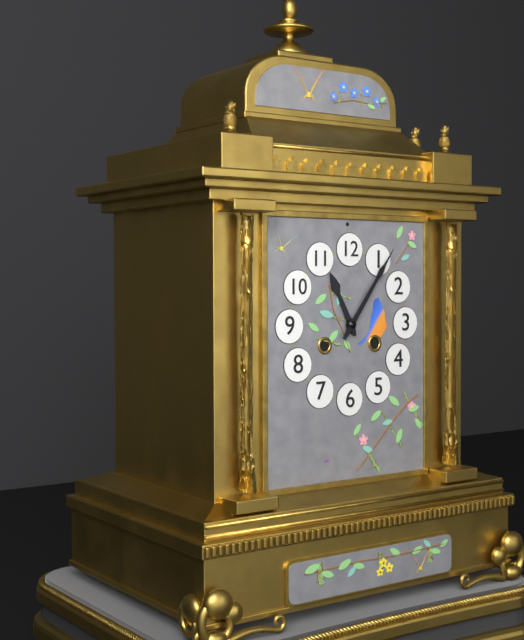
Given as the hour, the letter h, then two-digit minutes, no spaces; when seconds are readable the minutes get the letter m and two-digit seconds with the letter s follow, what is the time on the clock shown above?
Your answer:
11h06
